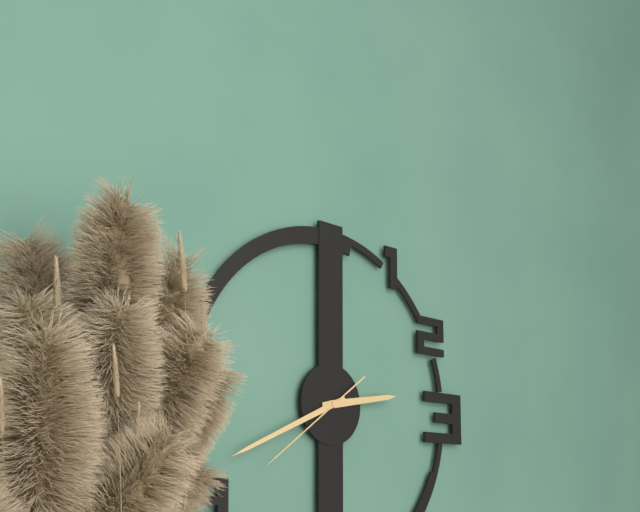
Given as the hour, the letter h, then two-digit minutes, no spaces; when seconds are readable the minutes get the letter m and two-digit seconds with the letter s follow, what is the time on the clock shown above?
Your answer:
2h41m39s
